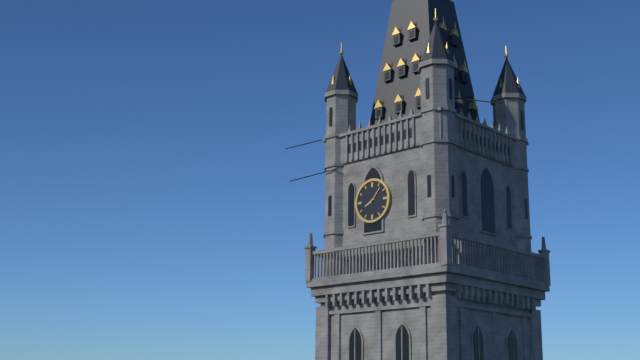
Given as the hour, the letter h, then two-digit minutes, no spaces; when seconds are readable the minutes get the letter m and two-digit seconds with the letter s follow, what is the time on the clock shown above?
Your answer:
8h07
